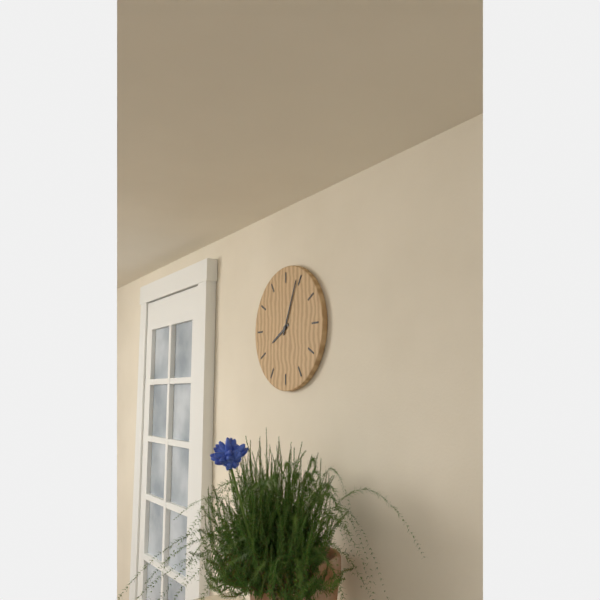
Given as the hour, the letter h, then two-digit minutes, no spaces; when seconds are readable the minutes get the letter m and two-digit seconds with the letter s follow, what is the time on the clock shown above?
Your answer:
8h04
